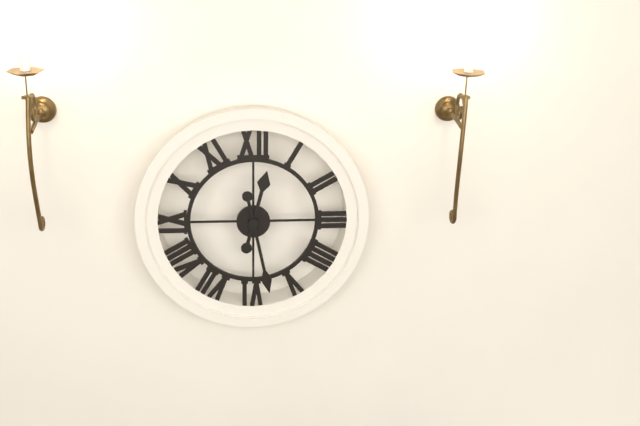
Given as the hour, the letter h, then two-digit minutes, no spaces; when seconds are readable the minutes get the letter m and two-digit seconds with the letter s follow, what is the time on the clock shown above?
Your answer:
12h28
